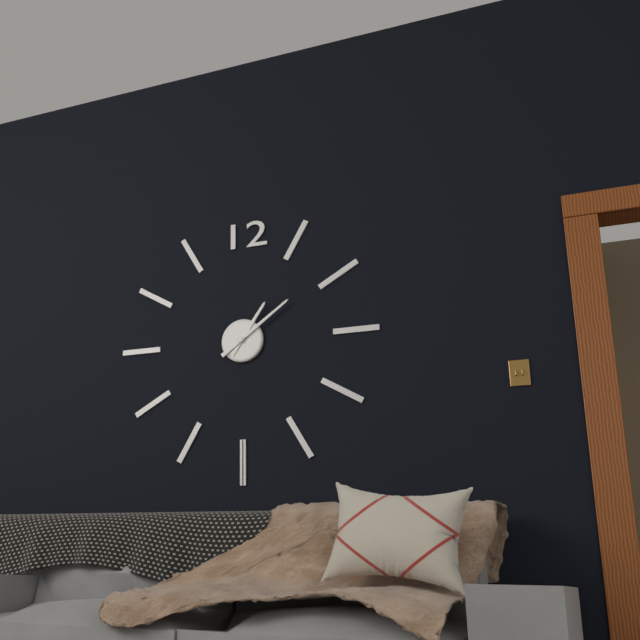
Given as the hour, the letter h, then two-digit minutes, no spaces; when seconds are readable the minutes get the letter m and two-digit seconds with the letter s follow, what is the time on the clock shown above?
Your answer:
1h09
